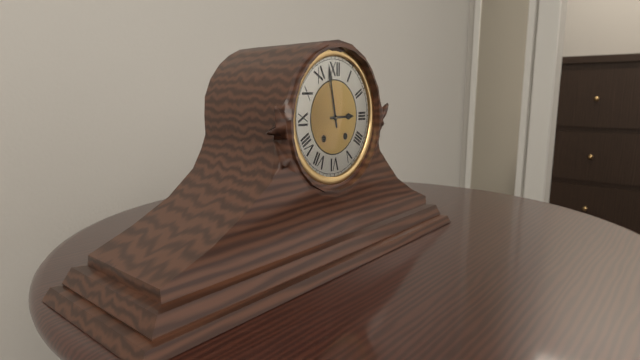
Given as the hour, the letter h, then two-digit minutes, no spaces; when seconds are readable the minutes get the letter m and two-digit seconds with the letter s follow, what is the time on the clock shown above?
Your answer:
2h58
